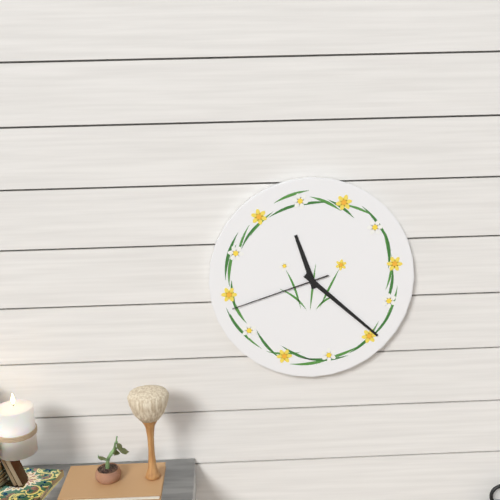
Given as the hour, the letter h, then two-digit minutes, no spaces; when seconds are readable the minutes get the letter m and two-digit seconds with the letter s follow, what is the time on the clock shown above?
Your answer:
11h22m42s
